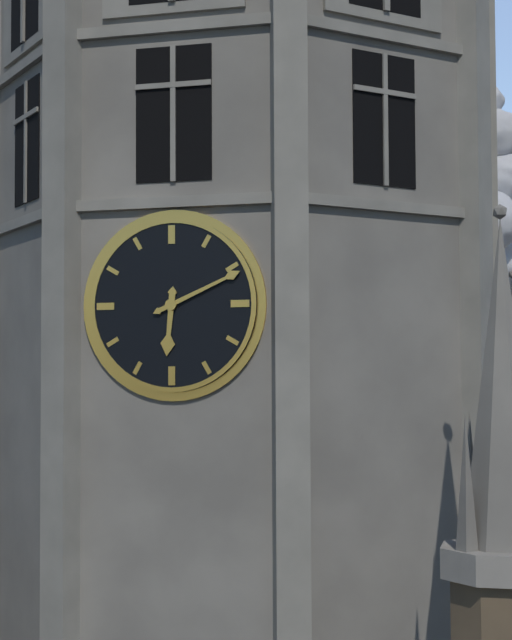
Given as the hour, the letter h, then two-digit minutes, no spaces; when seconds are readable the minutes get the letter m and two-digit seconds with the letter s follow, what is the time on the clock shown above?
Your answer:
6h11
